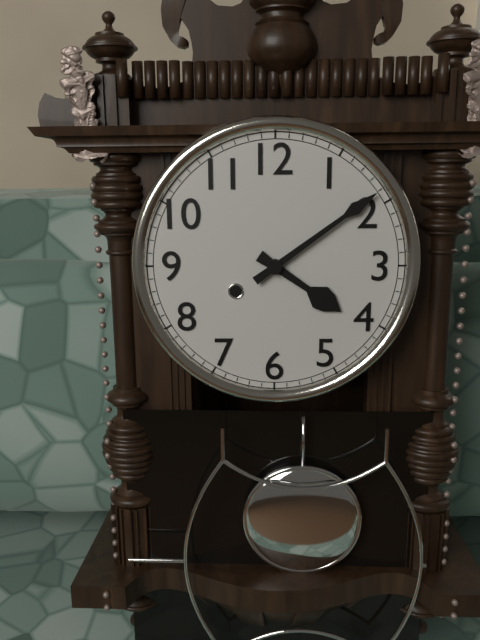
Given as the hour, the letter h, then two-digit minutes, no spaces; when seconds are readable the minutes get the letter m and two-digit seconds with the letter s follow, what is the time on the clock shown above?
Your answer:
4h09
